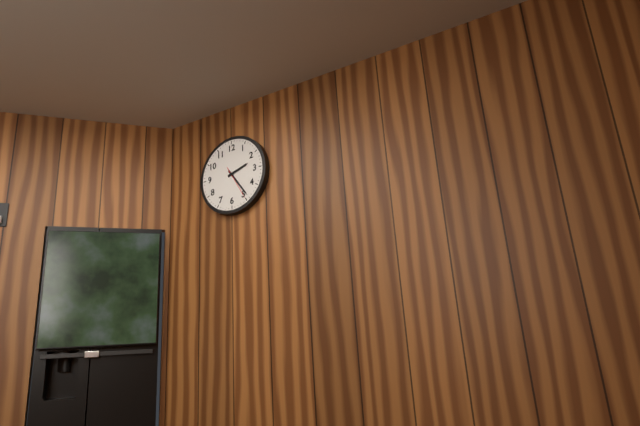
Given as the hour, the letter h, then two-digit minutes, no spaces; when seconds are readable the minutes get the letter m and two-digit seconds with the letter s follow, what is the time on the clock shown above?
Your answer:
2h24
